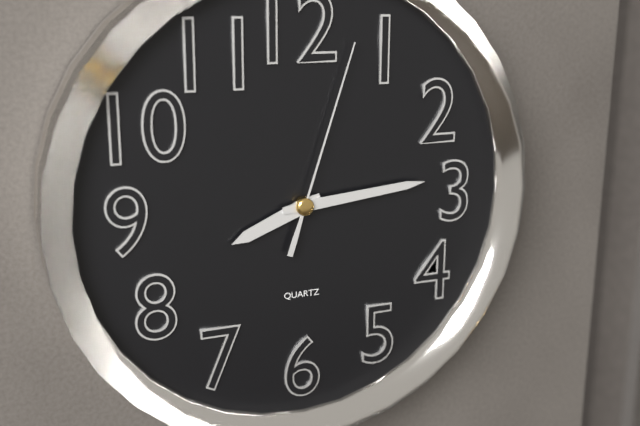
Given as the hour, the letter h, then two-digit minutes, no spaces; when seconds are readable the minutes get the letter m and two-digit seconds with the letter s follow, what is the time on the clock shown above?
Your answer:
8h14m03s
